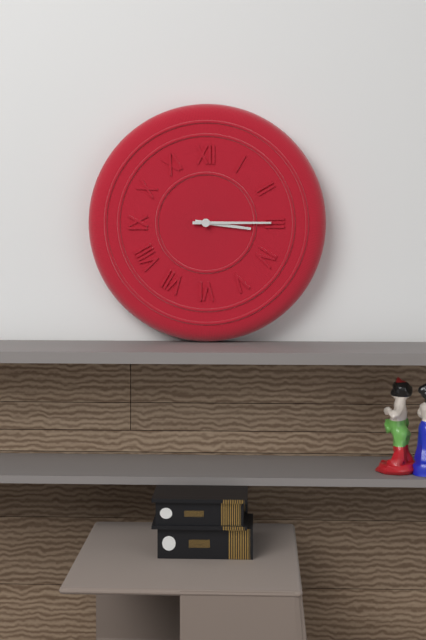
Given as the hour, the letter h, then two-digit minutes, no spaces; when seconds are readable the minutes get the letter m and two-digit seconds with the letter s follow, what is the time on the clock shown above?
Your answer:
3h15
